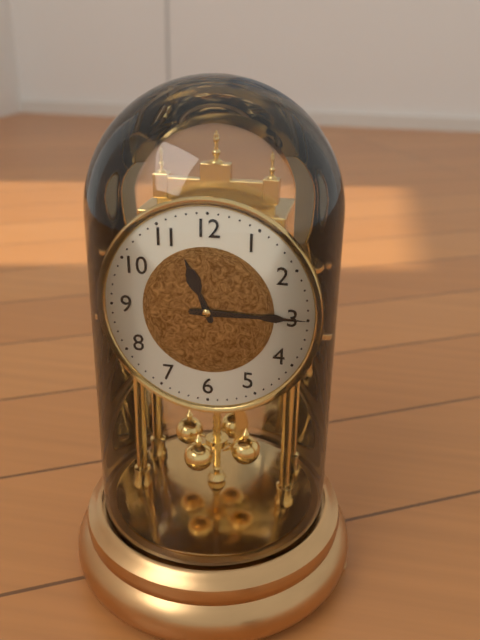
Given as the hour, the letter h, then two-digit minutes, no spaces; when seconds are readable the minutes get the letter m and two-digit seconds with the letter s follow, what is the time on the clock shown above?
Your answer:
11h15
